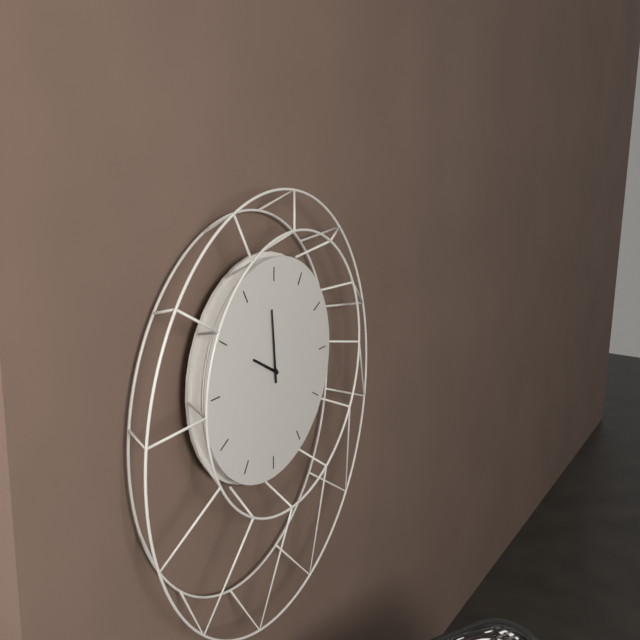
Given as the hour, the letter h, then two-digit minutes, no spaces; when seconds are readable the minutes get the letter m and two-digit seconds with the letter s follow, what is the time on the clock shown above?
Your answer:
9h59
